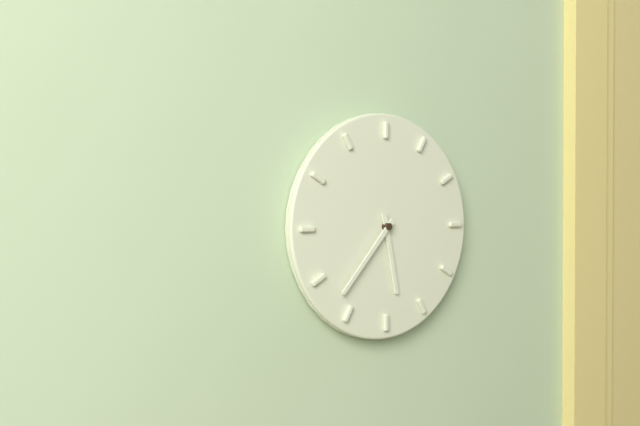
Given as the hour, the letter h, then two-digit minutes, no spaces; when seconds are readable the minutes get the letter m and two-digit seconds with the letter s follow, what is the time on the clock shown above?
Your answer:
5h37
